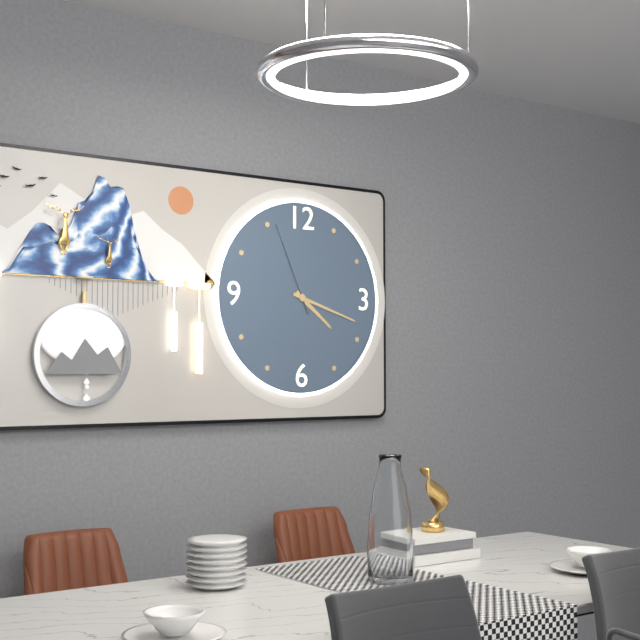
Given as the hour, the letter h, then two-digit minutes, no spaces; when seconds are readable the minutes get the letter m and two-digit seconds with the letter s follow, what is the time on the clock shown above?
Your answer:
4h18m56s
